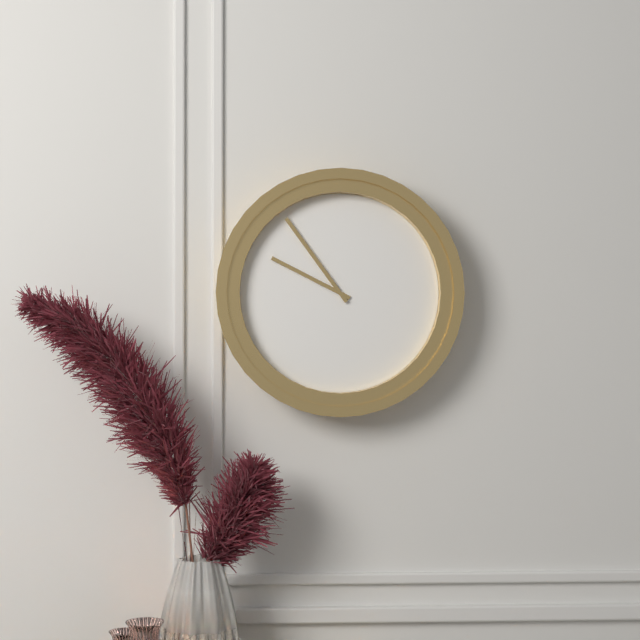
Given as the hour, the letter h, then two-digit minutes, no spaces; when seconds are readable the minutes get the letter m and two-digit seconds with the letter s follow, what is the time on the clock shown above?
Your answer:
9h54
